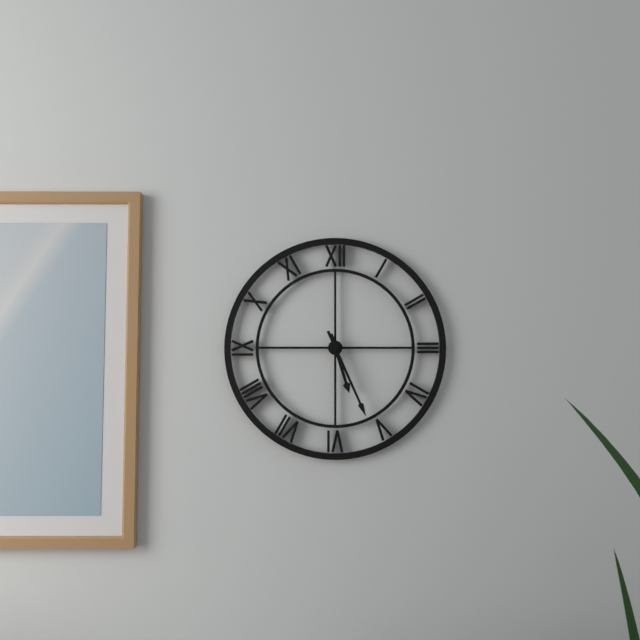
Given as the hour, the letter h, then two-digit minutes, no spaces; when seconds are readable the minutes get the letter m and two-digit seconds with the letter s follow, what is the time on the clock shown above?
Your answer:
5h26
